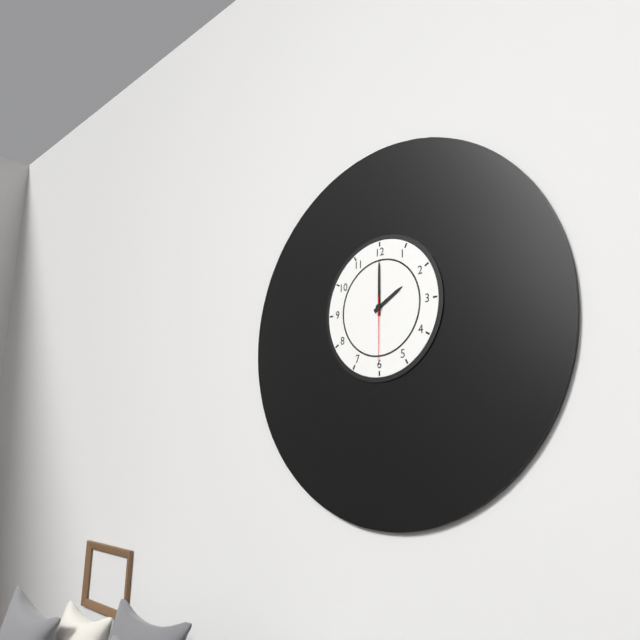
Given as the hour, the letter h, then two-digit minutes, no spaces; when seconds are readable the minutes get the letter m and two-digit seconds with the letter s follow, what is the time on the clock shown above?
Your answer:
2h00m30s
